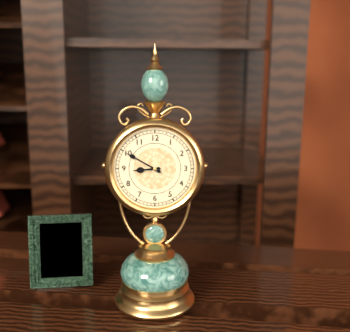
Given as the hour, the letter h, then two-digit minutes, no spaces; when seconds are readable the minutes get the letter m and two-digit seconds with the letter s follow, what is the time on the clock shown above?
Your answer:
8h50
